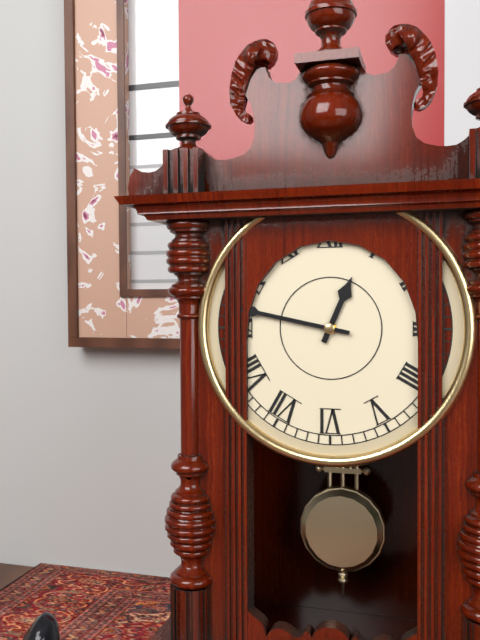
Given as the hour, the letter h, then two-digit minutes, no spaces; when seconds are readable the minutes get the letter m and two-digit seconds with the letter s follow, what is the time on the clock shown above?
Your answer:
12h47
